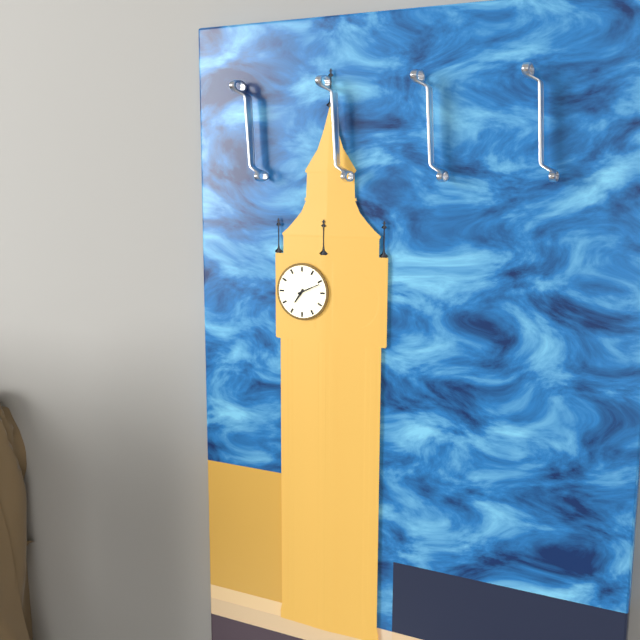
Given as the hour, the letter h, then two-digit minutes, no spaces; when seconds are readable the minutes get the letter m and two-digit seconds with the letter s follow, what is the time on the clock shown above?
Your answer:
7h11
